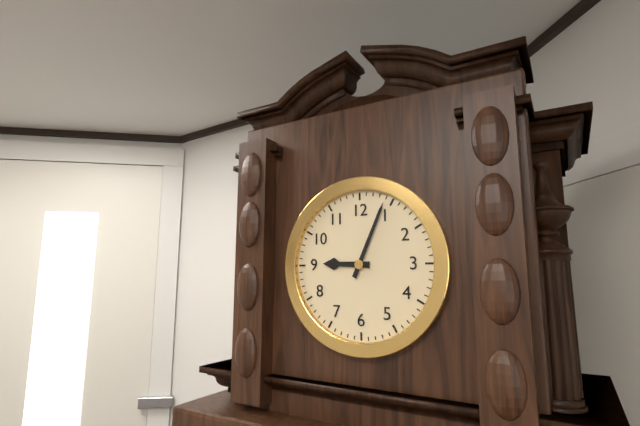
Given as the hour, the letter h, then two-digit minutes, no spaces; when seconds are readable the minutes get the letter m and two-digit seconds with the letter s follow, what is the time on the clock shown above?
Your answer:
9h04
